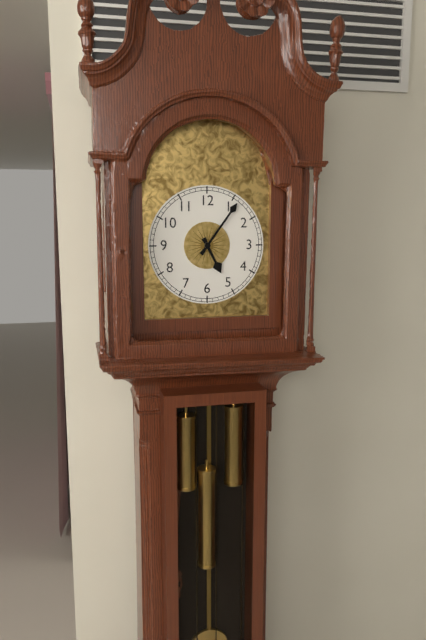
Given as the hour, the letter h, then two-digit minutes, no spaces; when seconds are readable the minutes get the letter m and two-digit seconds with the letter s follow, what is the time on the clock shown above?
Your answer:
5h06
